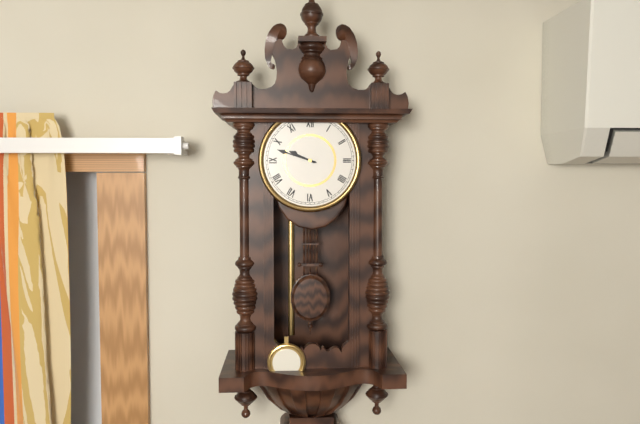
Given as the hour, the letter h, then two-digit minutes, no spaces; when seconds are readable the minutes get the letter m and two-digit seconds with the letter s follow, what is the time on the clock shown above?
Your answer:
9h48
